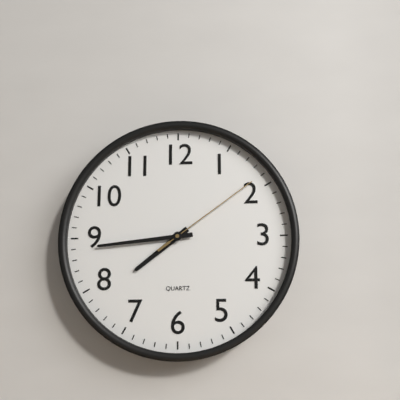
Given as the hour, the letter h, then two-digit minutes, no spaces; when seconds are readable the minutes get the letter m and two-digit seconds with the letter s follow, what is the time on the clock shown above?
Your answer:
7h44m09s
